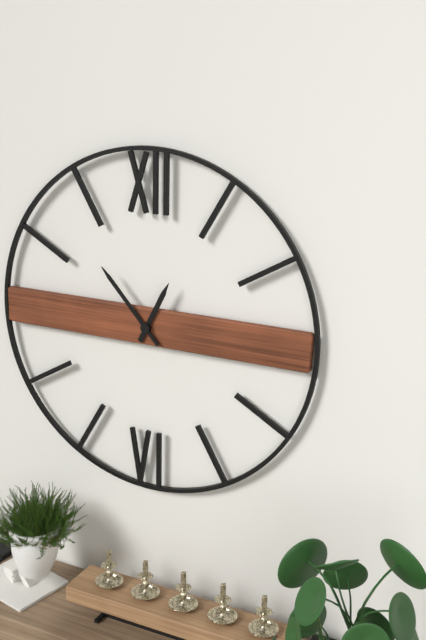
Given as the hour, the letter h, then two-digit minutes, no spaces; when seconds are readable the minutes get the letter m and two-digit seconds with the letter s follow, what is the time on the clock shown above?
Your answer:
12h53
